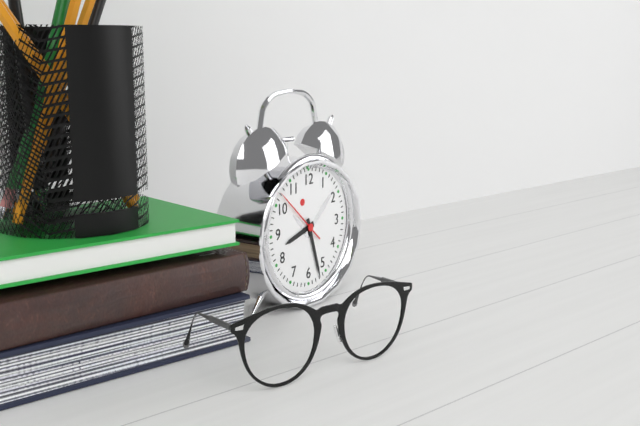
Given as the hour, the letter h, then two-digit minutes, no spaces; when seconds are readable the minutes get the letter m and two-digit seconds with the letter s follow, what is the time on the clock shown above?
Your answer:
8h27m52s
